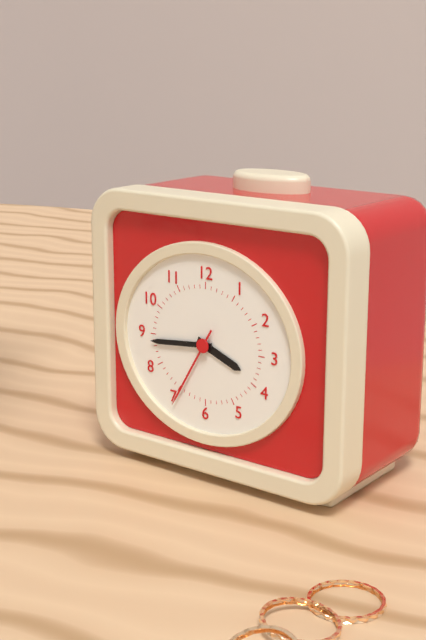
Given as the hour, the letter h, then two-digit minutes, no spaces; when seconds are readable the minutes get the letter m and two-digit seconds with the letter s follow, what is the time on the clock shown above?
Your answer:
3h44m35s
